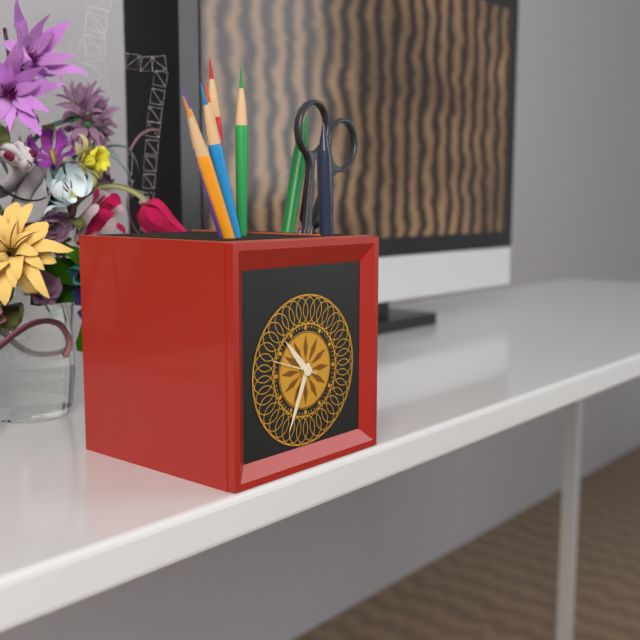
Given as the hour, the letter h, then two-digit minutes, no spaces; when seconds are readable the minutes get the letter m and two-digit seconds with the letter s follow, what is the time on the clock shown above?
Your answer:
10h34
